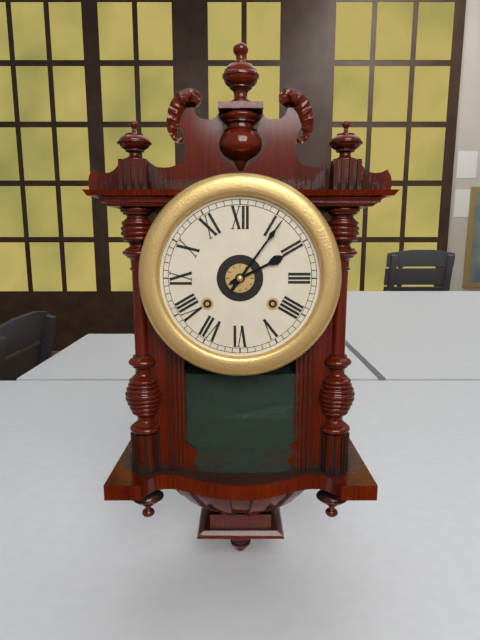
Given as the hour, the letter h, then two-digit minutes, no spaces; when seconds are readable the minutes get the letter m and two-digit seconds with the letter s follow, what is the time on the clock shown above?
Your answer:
2h06
